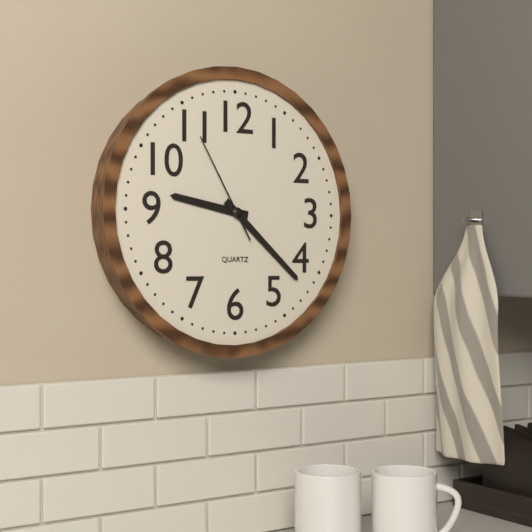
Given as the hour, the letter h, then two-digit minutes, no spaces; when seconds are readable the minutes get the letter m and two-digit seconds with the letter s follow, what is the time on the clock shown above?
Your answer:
9h22m55s
